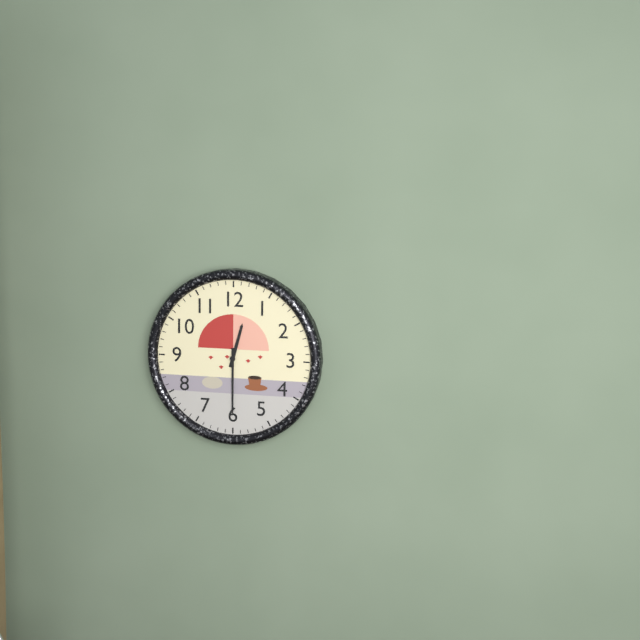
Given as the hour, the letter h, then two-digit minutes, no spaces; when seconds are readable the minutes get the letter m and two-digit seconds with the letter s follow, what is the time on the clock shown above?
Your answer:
12h30
